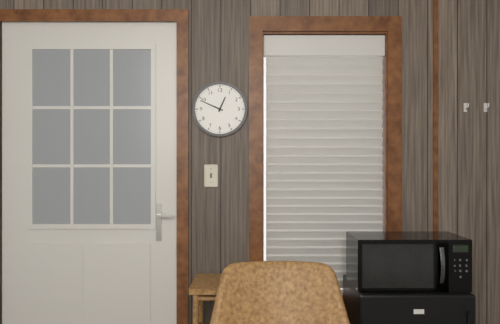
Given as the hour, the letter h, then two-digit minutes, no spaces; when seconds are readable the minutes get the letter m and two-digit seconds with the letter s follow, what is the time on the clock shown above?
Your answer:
12h49
